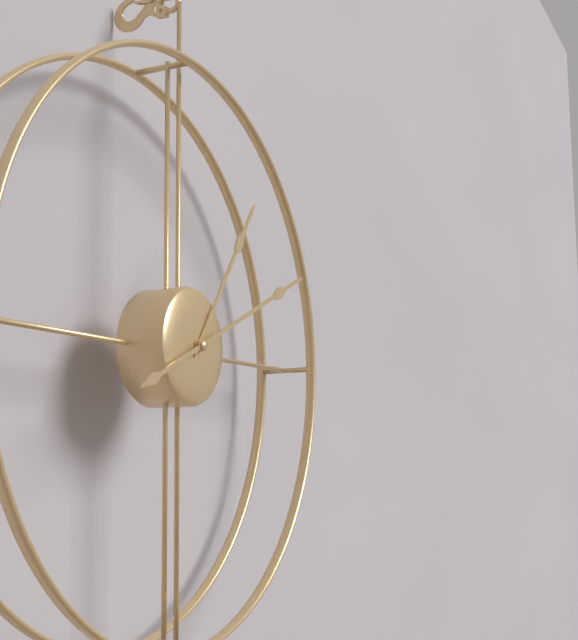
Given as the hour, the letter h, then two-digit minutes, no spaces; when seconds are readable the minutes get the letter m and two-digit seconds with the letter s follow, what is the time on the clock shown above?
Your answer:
1h11
